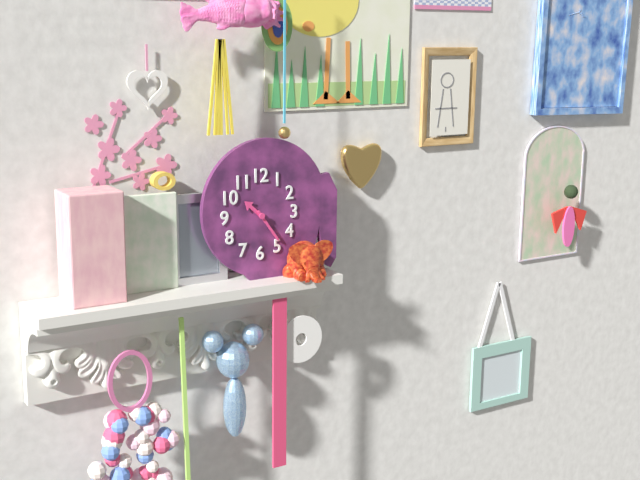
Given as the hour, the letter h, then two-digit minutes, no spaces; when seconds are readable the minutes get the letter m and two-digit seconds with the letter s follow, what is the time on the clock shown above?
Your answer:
10h24
